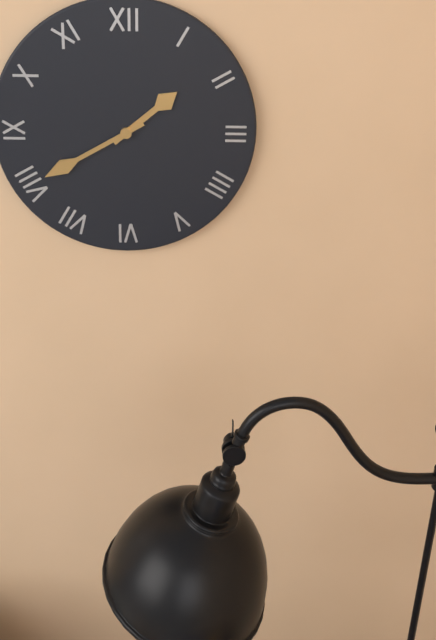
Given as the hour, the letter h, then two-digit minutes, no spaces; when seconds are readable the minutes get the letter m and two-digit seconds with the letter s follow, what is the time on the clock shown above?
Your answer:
1h40
